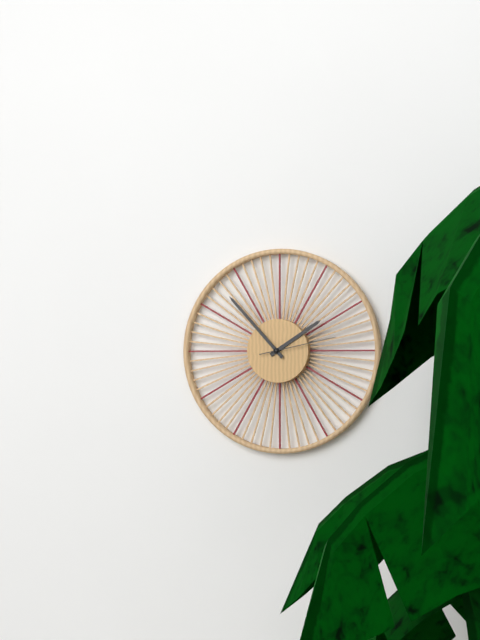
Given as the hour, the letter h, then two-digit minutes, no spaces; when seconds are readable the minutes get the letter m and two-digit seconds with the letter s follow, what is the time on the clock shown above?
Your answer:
1h53m13s
